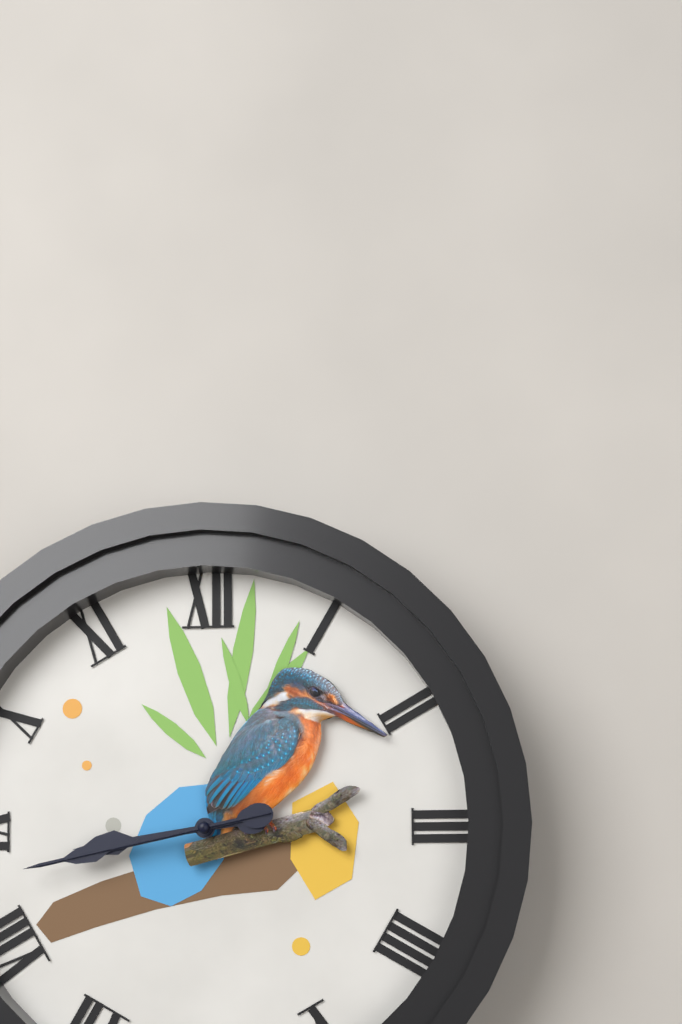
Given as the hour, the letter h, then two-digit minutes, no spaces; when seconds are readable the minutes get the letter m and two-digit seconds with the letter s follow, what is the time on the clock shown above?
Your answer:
8h43m43s
